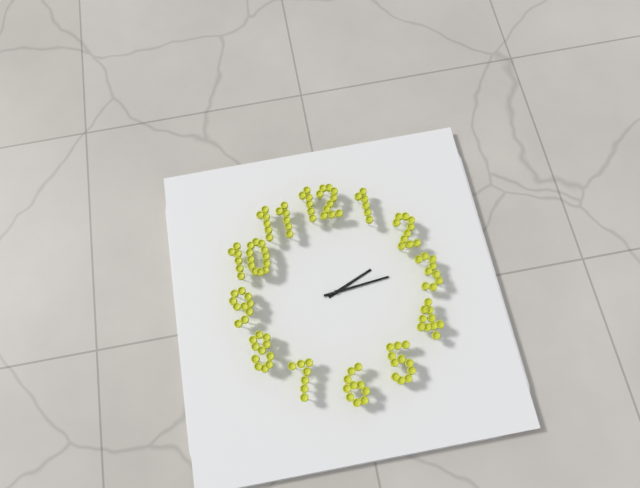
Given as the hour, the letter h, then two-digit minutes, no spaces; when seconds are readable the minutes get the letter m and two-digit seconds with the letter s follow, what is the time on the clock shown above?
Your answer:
2h14
